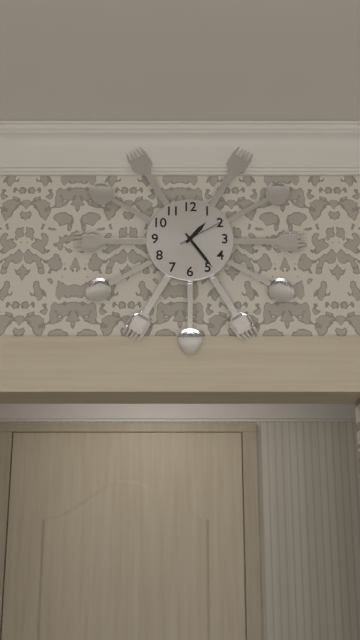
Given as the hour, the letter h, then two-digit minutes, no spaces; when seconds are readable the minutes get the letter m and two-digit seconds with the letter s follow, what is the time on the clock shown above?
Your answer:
1h24
